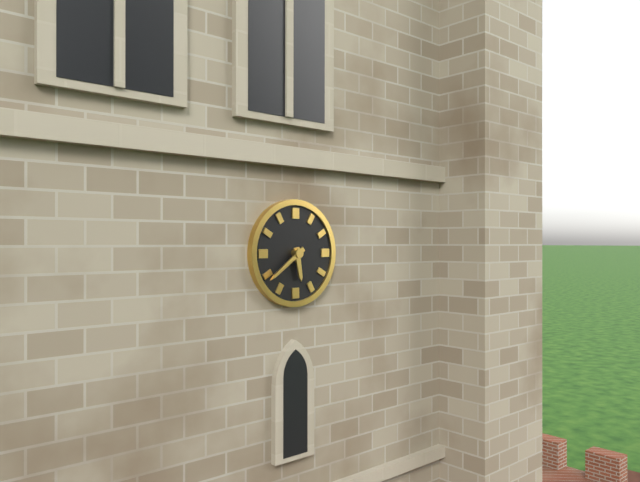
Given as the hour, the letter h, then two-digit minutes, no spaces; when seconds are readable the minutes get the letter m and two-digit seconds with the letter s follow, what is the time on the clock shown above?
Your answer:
5h39
